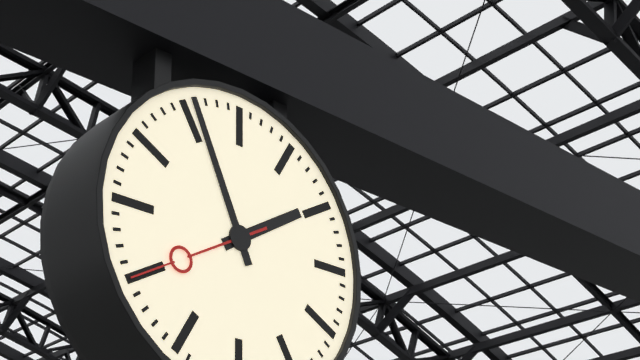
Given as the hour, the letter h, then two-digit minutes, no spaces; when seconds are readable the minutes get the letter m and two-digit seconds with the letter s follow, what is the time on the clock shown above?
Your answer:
1h56m40s
